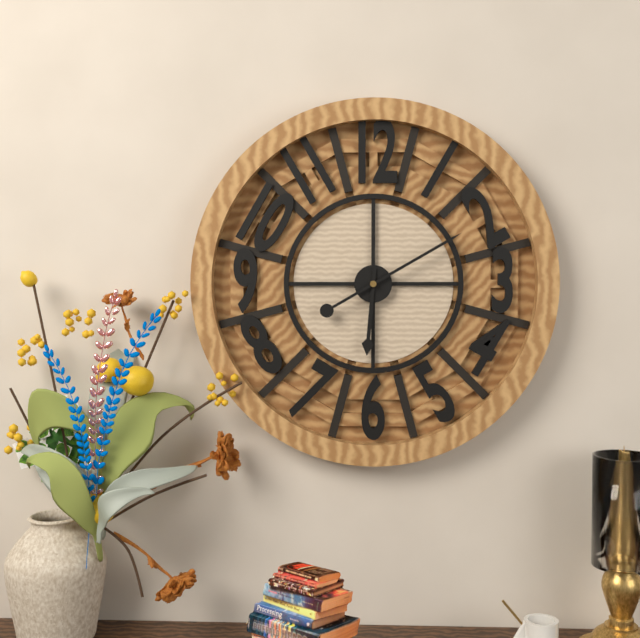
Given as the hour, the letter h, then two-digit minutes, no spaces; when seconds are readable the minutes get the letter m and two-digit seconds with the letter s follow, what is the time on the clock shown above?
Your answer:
6h10
